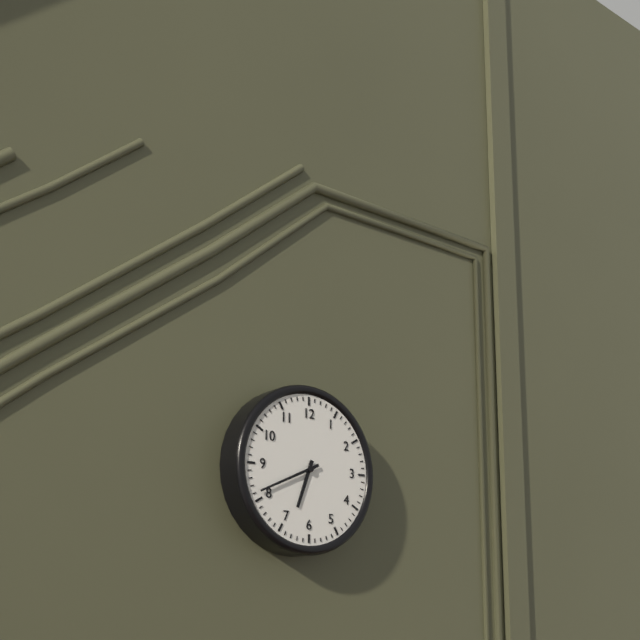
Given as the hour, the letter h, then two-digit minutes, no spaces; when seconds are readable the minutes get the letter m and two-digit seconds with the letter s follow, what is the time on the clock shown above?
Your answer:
6h41
